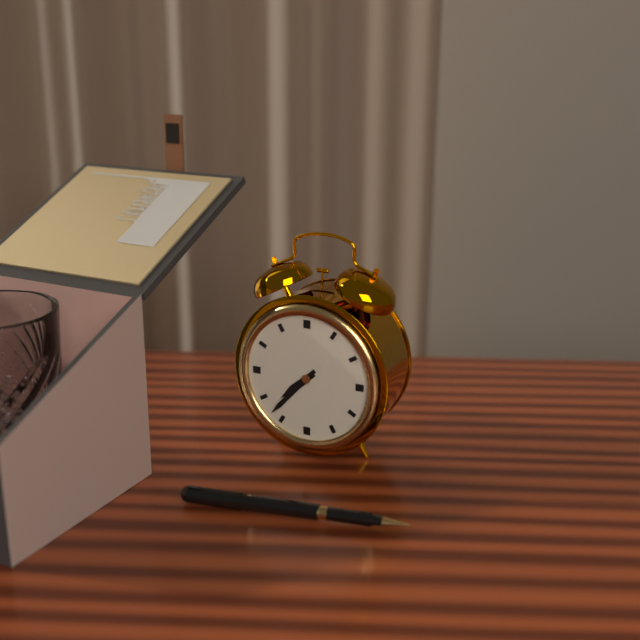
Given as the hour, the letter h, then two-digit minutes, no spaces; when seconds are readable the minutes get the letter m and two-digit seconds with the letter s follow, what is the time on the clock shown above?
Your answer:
7h37
